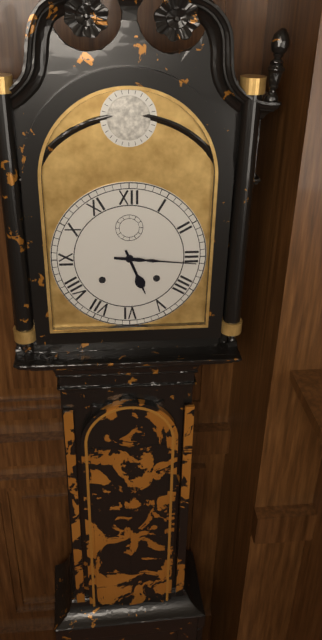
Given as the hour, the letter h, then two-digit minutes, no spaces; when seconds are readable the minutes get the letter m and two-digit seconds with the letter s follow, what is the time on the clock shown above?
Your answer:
5h16
